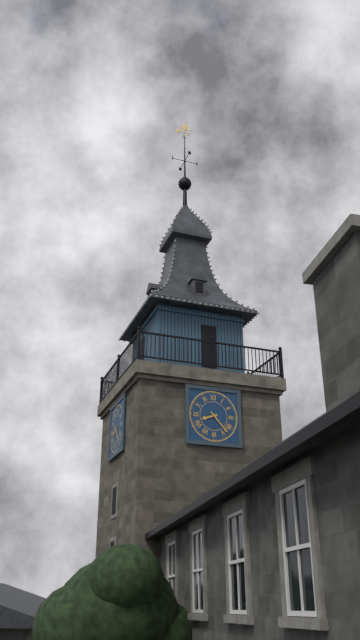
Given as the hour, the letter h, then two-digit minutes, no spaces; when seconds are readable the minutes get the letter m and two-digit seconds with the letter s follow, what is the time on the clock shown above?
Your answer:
8h23
